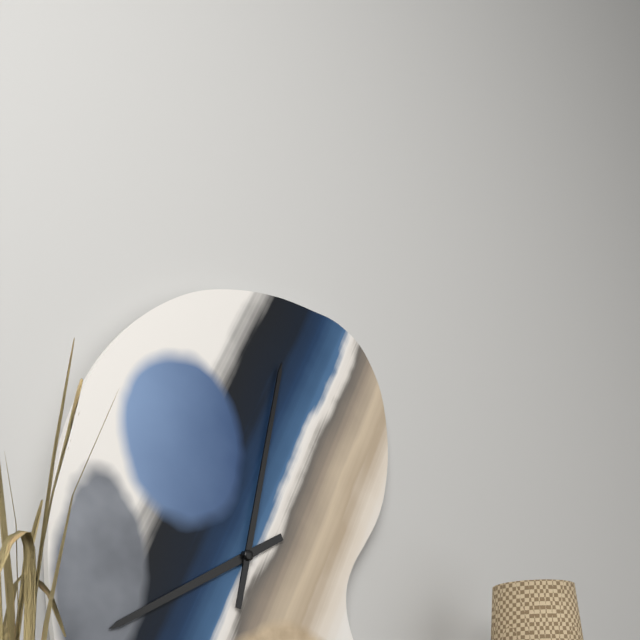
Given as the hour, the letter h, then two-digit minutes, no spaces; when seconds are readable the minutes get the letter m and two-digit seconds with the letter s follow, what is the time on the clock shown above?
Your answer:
8h02
